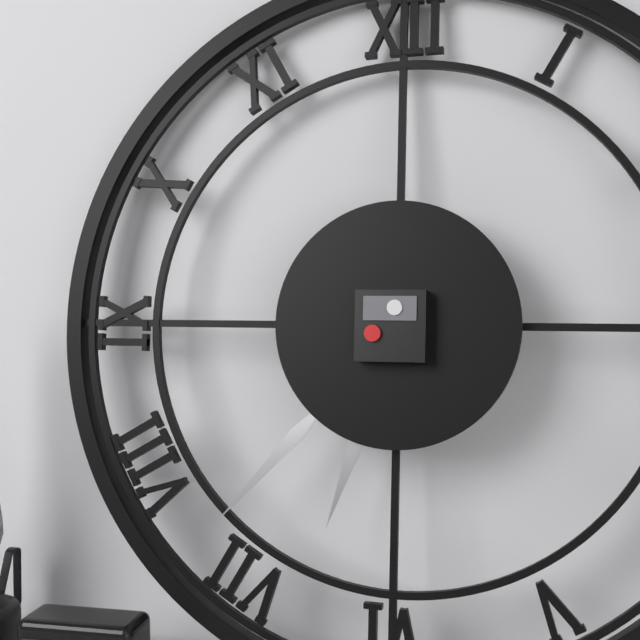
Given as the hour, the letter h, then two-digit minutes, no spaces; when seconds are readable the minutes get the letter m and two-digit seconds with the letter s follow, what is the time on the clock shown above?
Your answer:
6h37
